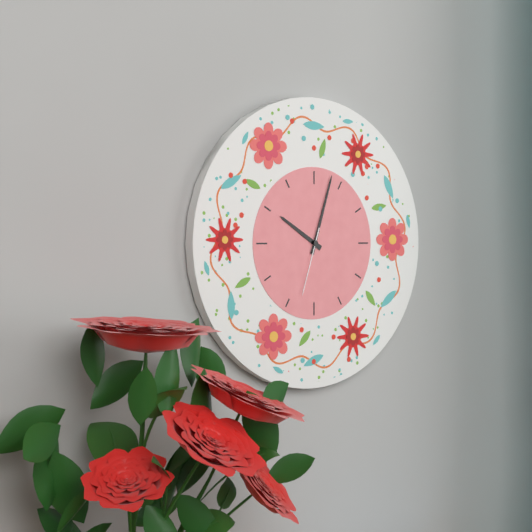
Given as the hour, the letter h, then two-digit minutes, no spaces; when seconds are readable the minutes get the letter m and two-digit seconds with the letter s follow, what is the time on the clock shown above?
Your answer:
10h03m33s
